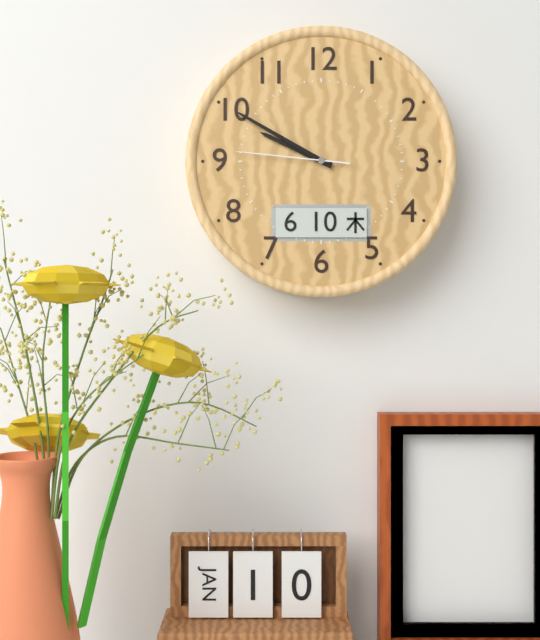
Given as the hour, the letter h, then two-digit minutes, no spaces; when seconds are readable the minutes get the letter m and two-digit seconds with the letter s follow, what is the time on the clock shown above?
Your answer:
9h50m46s
